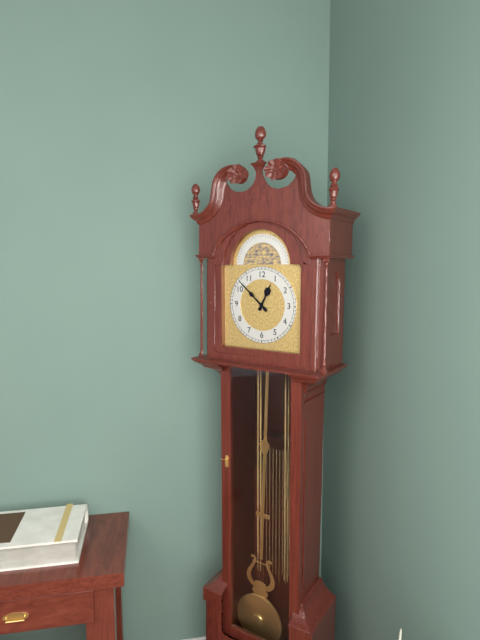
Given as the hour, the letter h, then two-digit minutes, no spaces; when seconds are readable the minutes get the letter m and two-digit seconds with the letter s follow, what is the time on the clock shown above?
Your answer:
12h52
